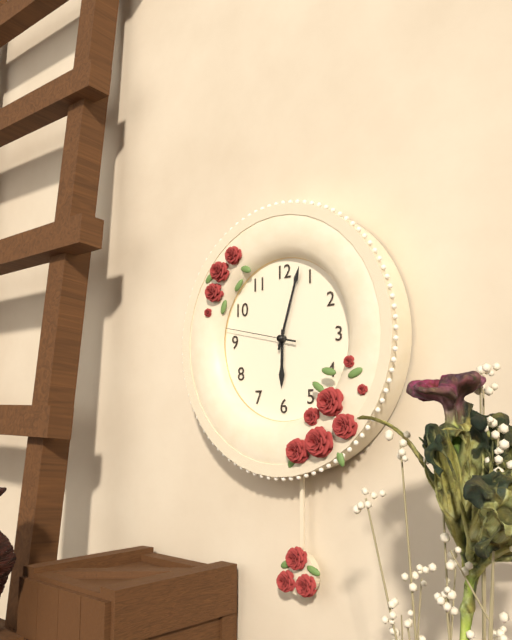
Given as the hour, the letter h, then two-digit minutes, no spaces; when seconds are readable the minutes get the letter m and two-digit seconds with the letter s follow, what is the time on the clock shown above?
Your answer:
6h03m47s
